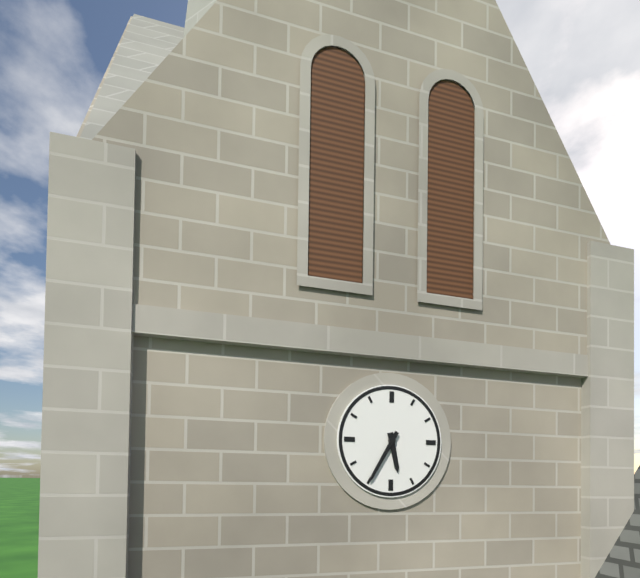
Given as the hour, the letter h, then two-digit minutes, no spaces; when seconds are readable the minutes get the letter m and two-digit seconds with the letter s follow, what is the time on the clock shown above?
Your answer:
5h35
